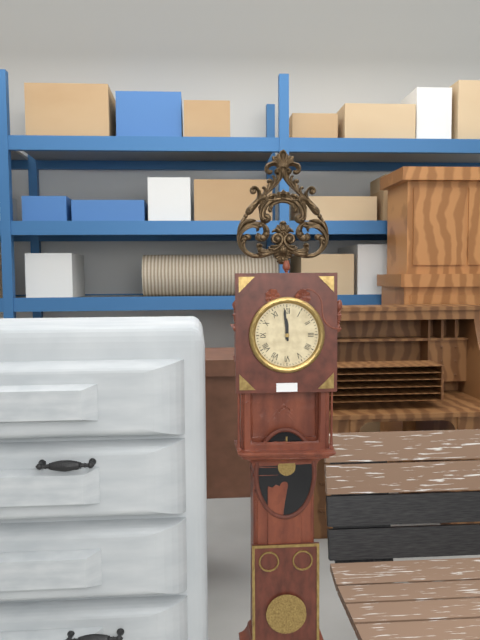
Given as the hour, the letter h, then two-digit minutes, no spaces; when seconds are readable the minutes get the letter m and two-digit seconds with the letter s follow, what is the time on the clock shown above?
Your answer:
11h59
